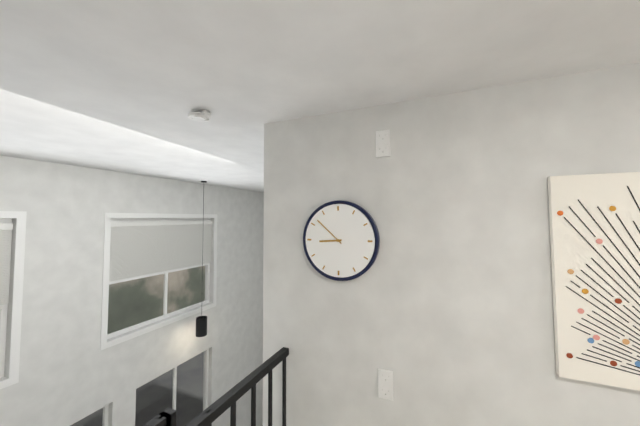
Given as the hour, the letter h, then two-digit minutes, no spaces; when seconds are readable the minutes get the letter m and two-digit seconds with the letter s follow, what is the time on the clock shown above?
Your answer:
8h52
